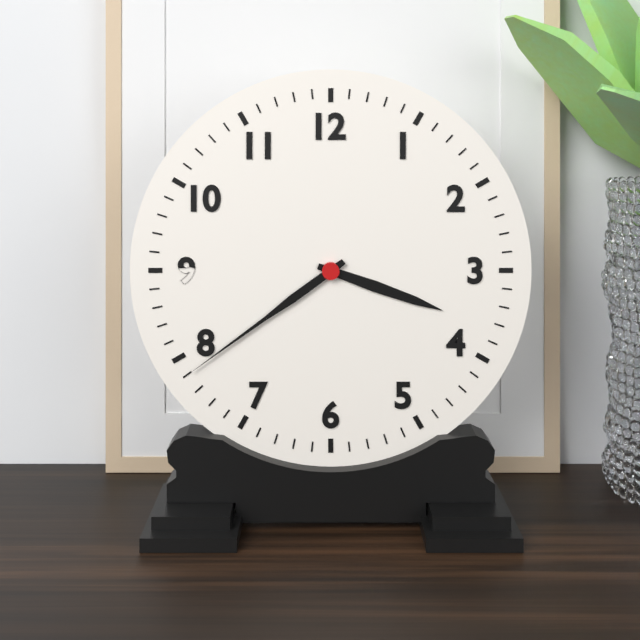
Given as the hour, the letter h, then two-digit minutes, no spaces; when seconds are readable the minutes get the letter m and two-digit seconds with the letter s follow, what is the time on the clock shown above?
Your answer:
3h39
